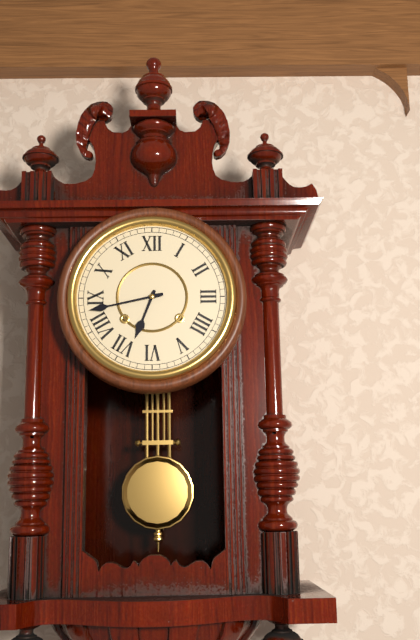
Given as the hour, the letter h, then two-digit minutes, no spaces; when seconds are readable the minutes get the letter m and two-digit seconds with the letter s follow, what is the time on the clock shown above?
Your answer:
6h43
